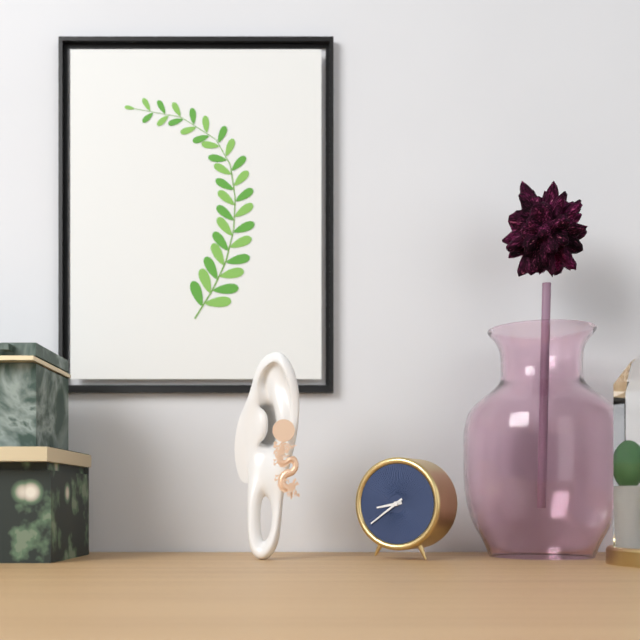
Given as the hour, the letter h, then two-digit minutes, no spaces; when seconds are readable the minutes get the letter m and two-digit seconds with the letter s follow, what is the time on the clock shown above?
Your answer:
8h39
